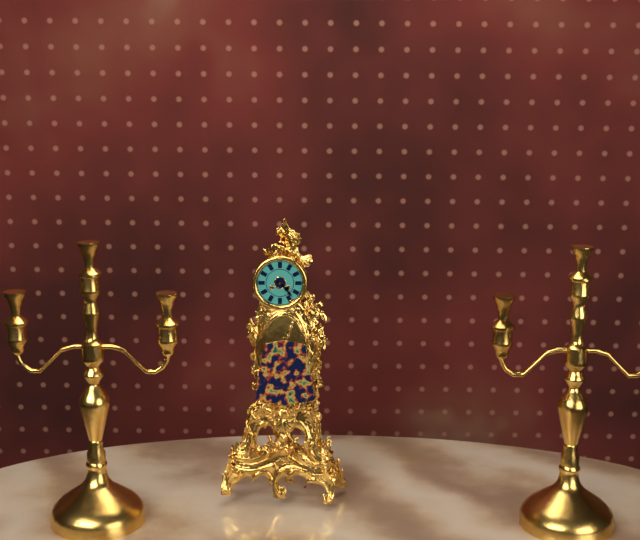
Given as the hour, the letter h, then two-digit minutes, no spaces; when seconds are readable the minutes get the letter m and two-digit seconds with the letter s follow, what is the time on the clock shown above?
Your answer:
4h23
